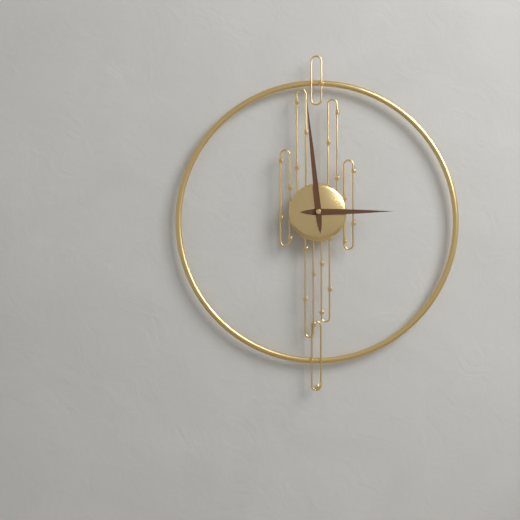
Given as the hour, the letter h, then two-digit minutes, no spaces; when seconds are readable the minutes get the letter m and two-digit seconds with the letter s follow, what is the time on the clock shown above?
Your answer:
2h59
